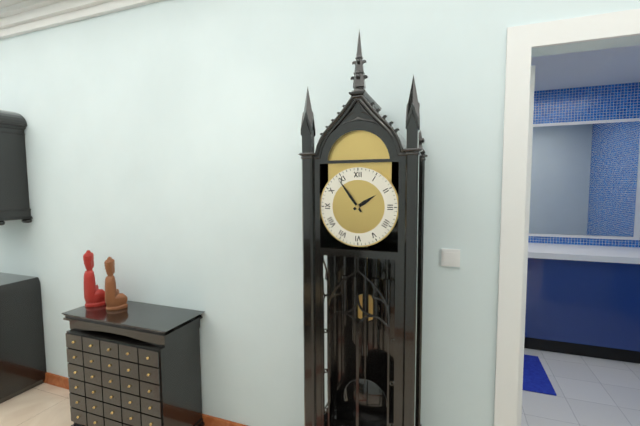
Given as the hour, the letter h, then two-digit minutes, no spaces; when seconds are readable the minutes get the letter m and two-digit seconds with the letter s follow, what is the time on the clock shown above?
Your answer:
1h54
